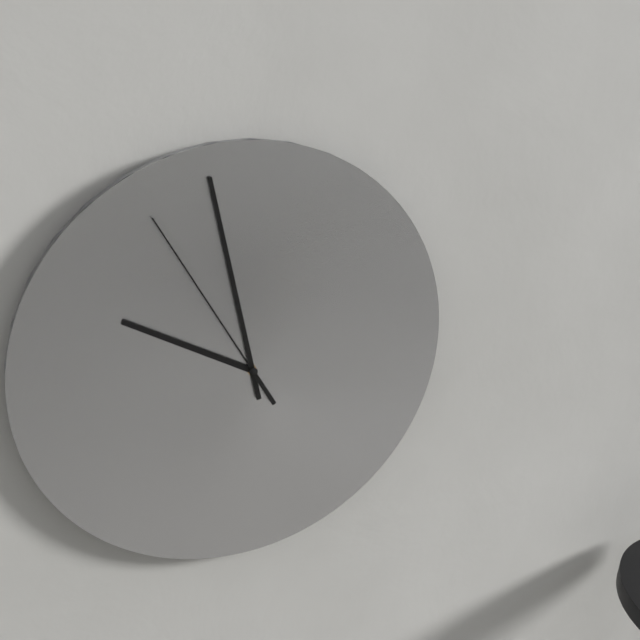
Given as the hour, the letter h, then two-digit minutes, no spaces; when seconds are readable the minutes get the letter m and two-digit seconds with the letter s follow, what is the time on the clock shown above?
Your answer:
9h58m55s
